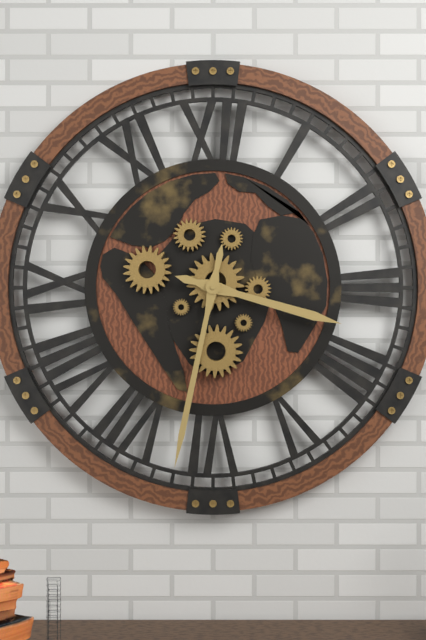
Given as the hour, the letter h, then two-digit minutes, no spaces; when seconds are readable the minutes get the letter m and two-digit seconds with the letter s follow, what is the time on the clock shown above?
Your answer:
3h32
